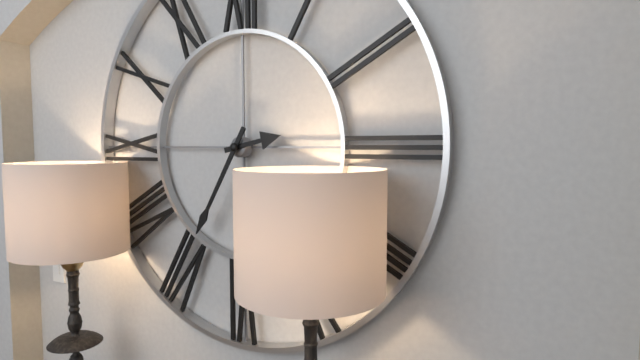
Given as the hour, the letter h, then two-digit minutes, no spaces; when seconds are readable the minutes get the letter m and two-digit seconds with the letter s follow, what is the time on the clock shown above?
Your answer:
2h35
